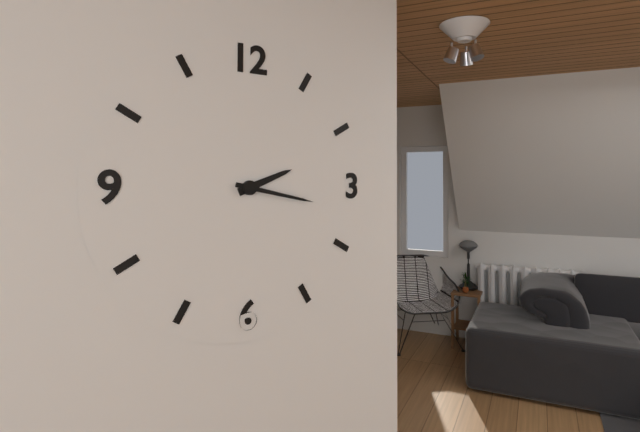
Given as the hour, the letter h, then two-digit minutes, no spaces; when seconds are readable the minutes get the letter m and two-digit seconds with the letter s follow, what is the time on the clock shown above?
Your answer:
2h17
